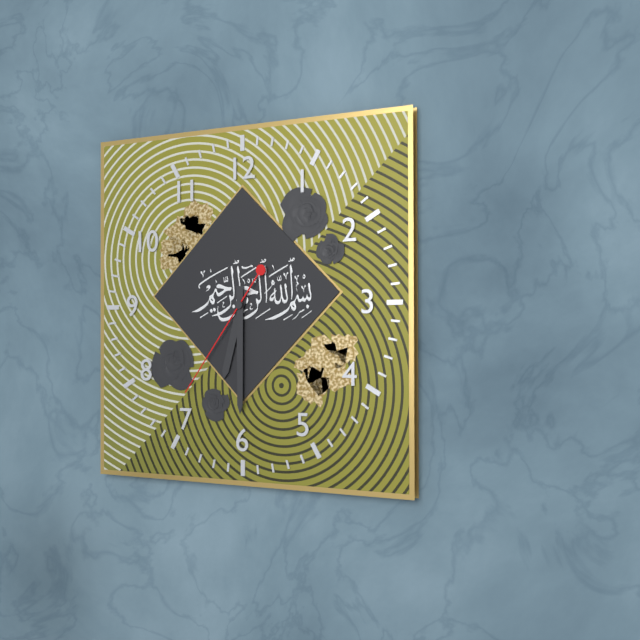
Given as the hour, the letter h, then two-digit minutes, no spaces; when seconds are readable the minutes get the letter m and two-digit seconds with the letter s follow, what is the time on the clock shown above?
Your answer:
6h30m36s
